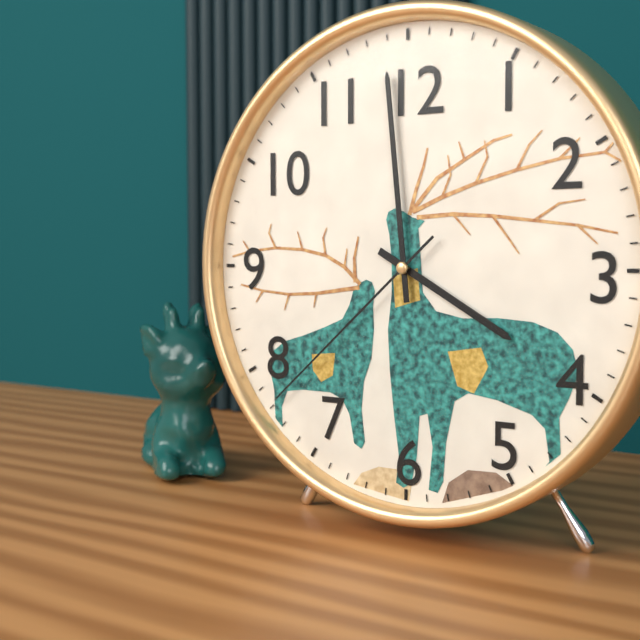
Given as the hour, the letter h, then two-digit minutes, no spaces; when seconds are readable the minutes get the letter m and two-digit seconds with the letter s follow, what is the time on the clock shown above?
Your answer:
3h59m38s
